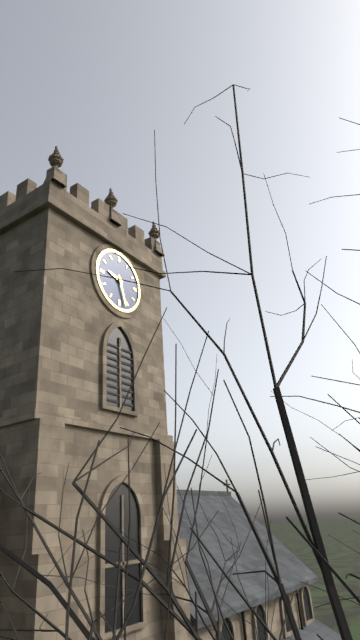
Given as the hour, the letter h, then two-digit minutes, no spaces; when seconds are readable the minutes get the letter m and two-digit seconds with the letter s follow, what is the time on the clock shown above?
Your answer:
9h27
